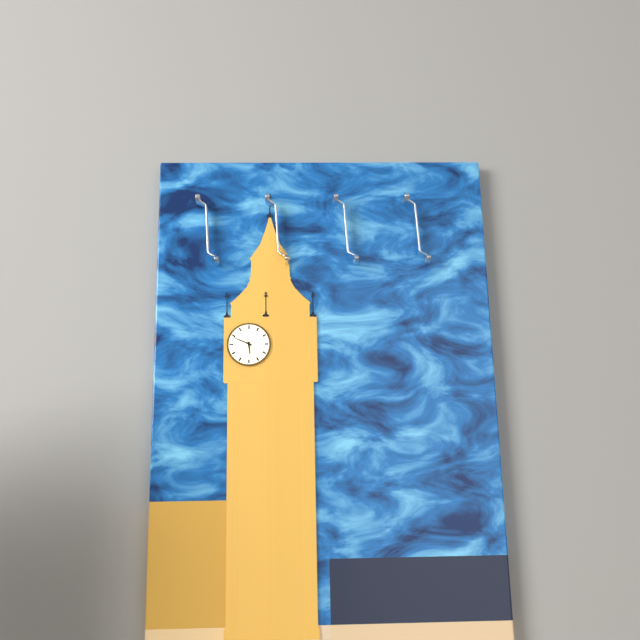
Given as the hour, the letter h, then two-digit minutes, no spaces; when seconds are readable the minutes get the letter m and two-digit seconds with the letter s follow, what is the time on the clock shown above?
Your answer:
5h49
